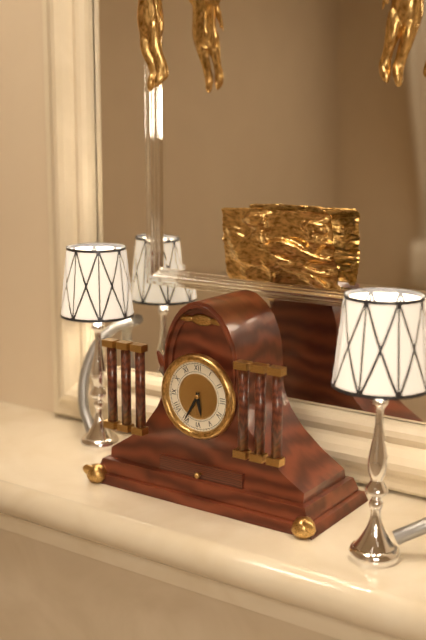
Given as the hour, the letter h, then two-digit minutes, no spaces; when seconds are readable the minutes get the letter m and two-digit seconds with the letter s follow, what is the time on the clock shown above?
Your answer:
5h35
